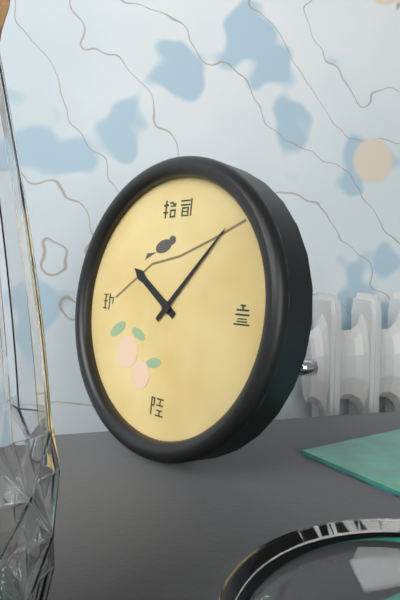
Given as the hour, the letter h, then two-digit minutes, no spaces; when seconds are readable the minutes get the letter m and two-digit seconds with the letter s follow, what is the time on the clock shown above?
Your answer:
10h07
